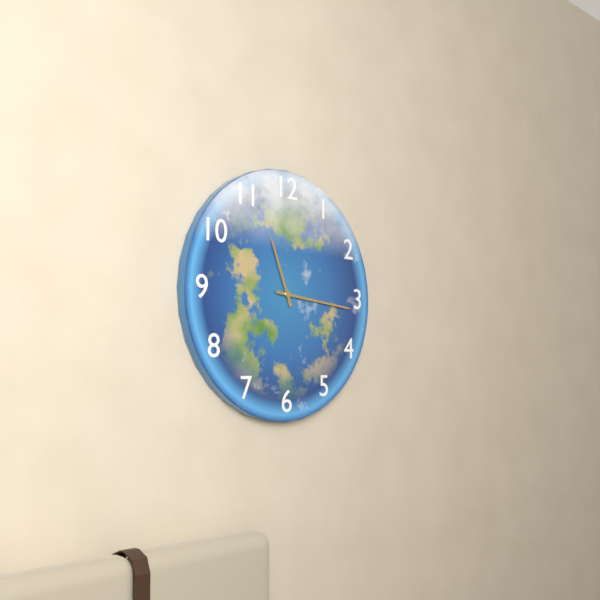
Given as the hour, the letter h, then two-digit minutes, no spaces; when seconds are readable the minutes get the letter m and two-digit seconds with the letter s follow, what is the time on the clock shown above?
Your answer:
11h16
